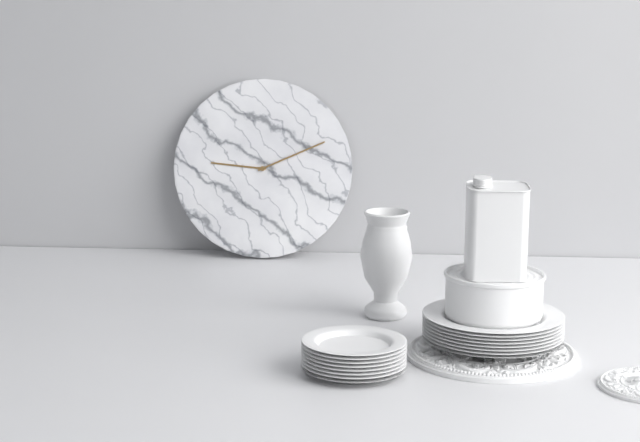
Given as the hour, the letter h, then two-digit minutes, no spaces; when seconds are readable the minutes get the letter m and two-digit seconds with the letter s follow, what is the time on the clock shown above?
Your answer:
9h11
